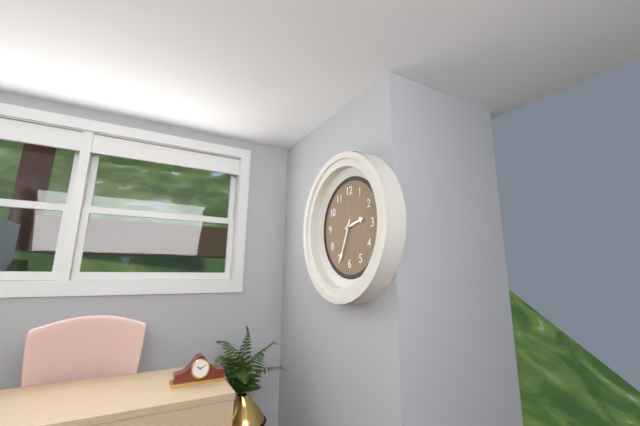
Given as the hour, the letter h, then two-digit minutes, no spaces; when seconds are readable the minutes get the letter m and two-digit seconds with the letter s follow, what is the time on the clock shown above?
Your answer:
2h34
